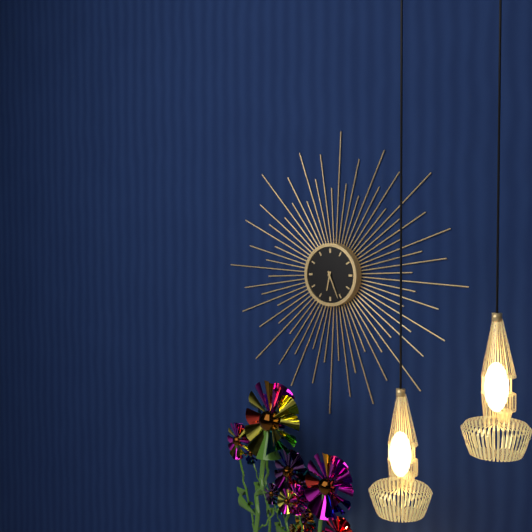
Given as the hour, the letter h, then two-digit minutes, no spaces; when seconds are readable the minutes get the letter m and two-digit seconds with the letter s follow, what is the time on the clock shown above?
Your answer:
6h26
